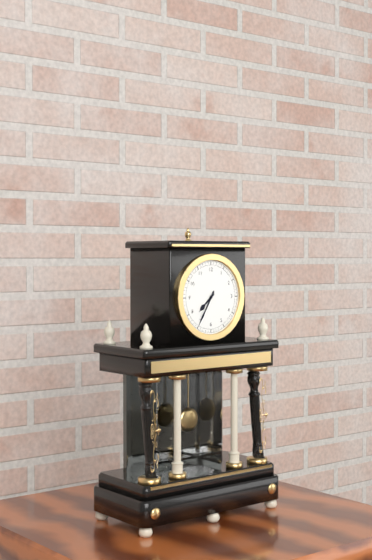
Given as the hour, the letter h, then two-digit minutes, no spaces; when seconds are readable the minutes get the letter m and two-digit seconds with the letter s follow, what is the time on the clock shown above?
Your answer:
7h35
